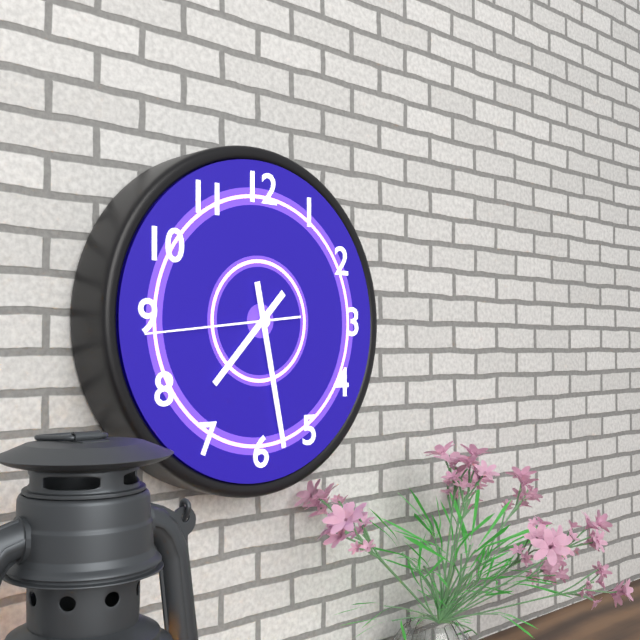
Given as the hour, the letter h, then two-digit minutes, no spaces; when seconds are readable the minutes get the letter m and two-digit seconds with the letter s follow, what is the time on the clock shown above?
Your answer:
7h28m44s
